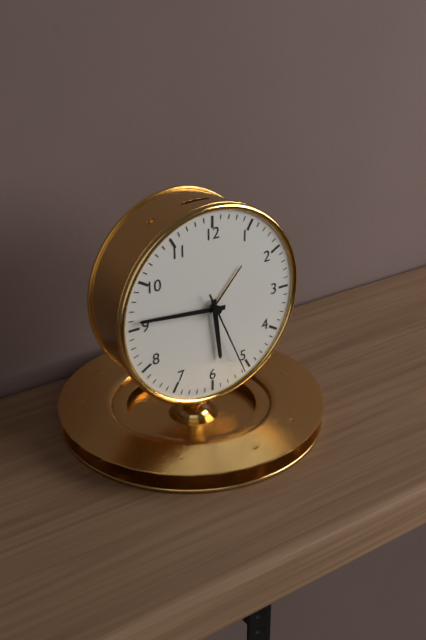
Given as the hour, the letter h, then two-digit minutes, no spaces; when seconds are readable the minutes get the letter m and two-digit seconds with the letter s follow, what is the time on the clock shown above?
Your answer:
5h46m26s
